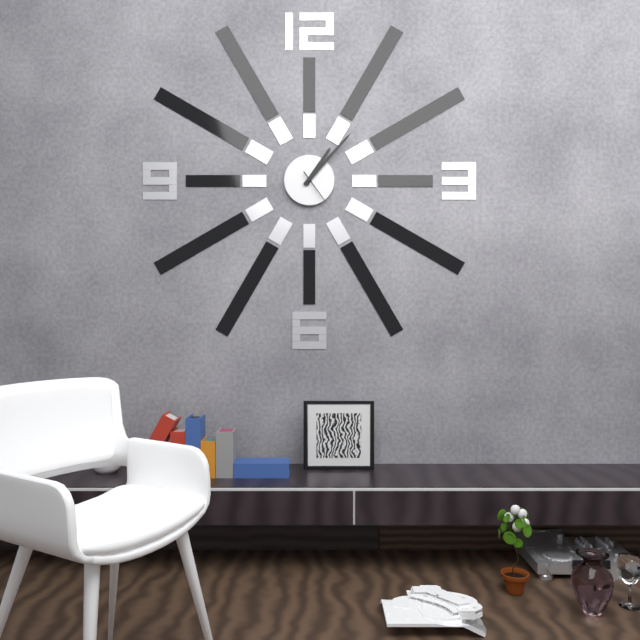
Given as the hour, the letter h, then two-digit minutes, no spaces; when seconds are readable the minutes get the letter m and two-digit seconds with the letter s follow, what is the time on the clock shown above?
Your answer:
1h07
